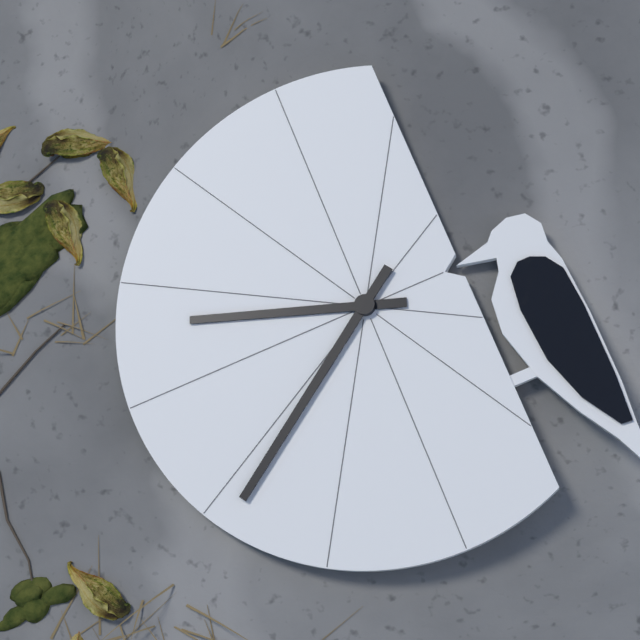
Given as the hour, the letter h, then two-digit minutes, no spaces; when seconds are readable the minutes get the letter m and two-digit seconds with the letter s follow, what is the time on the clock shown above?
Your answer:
9h39
